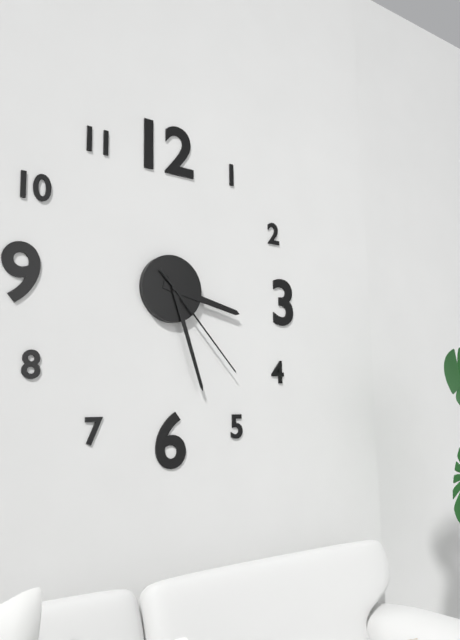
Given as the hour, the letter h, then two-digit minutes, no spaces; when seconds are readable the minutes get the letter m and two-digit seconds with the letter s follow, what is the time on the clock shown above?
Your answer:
3h27m23s
